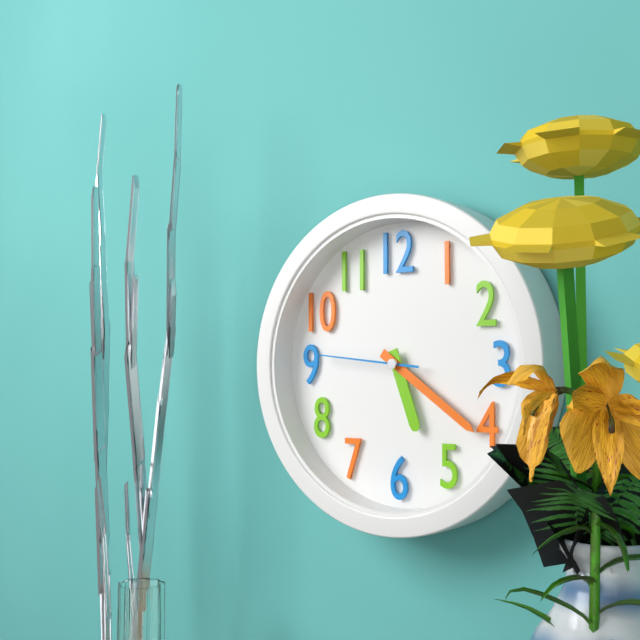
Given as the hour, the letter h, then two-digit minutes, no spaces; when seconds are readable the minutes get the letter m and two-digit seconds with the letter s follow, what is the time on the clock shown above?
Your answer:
5h21m46s
